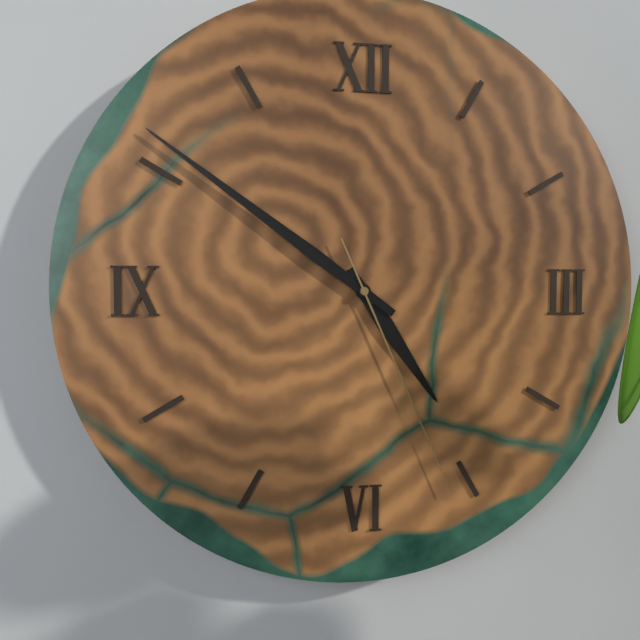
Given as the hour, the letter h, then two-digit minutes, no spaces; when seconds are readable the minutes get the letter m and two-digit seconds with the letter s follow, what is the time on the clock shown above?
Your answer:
4h51m26s
